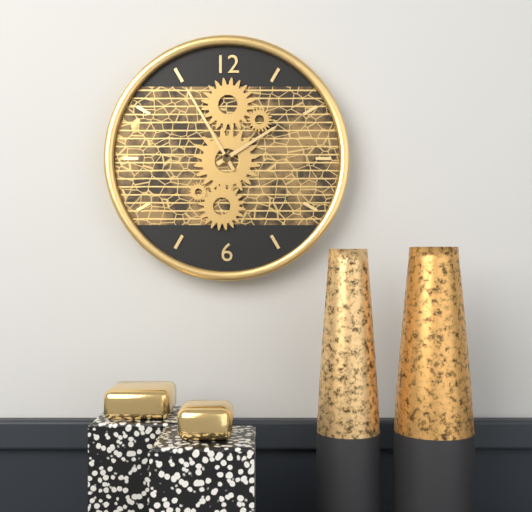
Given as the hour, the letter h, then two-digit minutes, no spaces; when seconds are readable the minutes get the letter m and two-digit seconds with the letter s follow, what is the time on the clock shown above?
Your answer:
1h55
